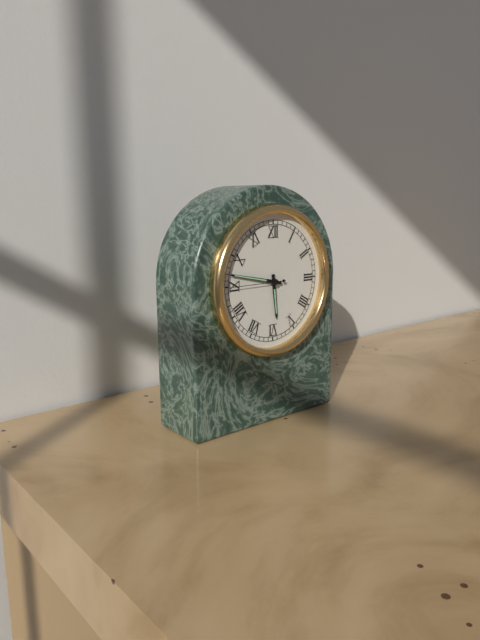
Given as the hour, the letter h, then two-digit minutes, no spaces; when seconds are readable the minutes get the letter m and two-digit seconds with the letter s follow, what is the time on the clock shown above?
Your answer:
5h47m45s
